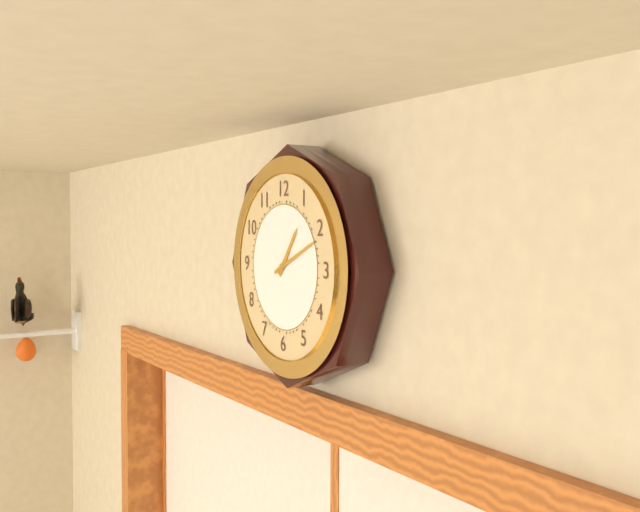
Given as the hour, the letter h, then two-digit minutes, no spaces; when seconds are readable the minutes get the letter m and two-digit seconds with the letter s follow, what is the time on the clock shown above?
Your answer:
1h11
